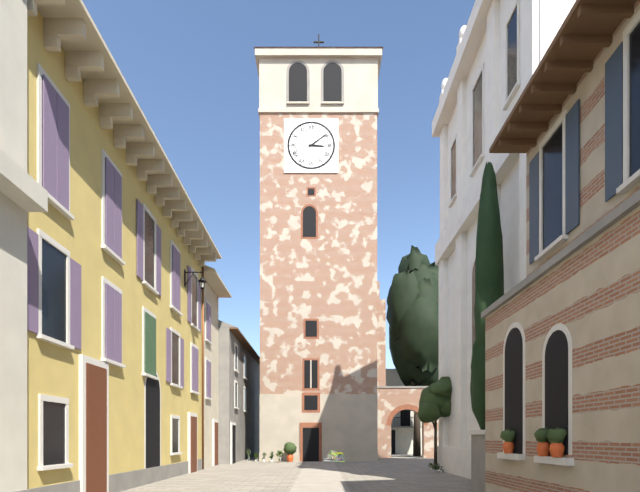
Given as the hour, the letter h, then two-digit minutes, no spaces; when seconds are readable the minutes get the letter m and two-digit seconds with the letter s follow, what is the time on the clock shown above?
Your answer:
3h09
